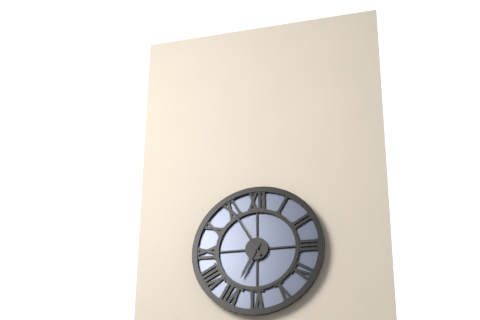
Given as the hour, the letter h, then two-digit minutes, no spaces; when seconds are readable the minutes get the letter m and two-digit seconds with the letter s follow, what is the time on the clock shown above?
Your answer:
6h55
